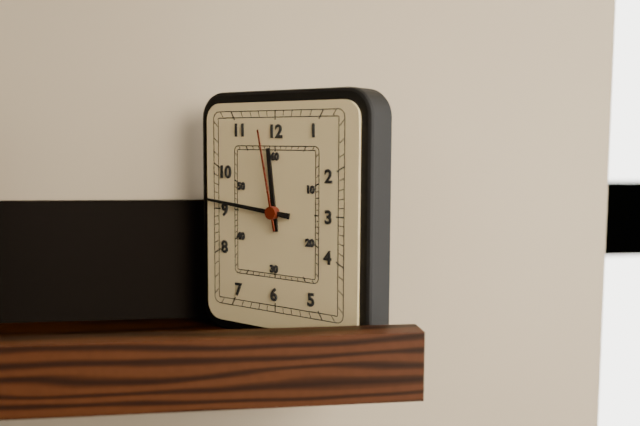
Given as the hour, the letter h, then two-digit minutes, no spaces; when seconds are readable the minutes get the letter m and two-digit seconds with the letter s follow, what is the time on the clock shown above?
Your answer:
11h46m58s
